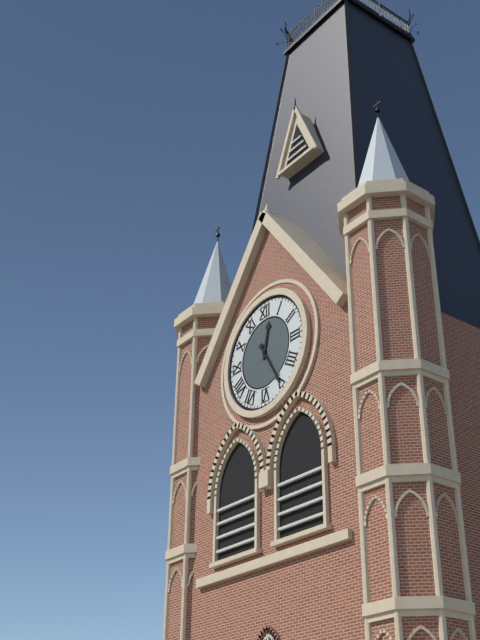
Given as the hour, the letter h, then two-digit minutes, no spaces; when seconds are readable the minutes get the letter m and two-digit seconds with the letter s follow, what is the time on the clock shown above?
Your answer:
12h25
